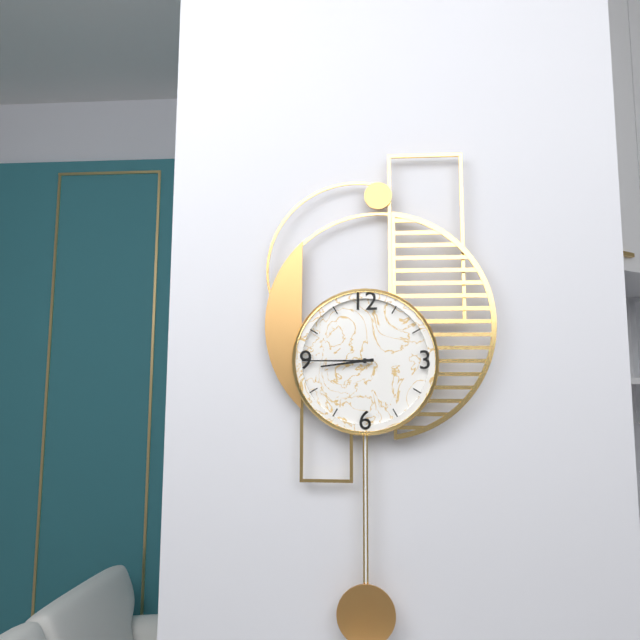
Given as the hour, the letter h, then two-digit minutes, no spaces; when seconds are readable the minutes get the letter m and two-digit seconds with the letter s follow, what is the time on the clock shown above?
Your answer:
8h45
